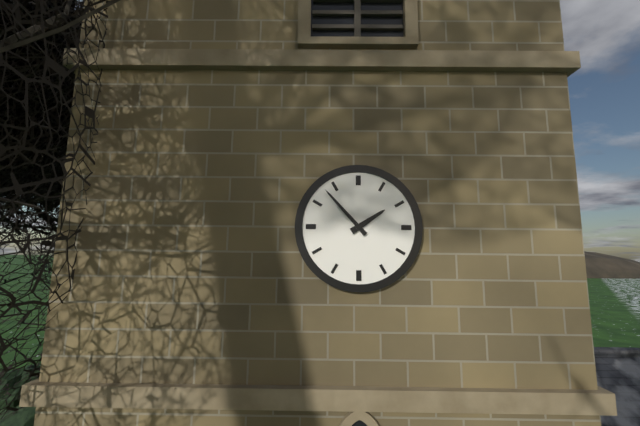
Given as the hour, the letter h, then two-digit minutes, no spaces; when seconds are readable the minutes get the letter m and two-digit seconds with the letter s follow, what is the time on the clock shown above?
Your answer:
1h53
